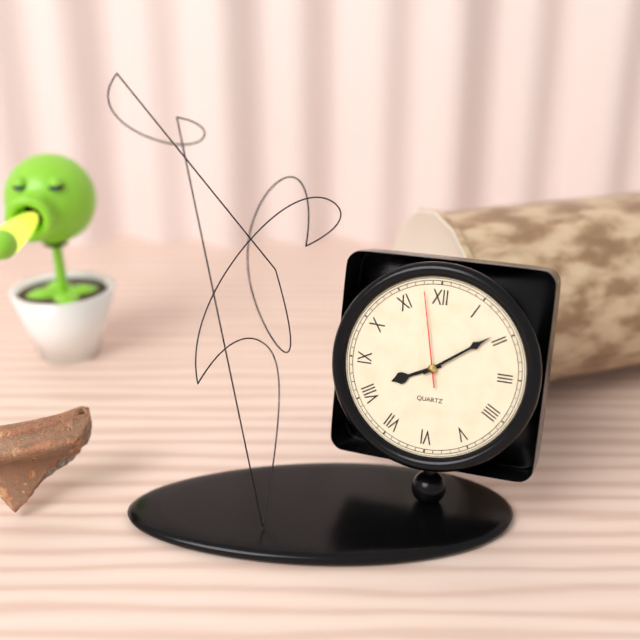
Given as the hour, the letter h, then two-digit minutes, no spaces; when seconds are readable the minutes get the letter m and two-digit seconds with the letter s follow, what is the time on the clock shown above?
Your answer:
8h09m58s
